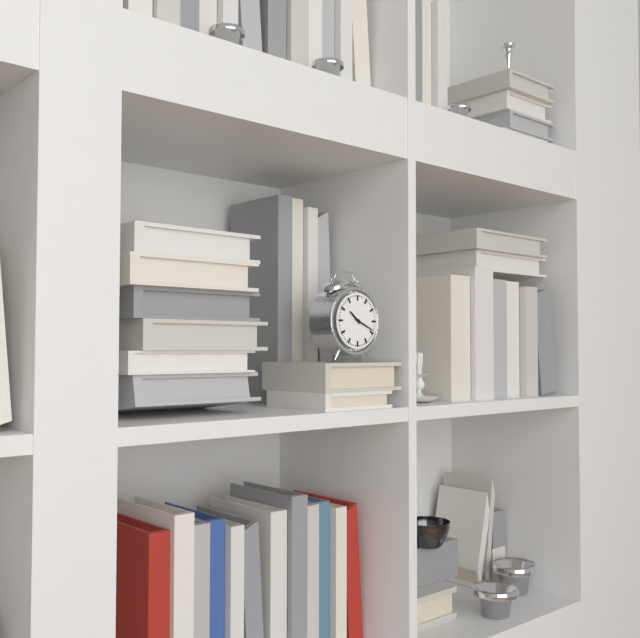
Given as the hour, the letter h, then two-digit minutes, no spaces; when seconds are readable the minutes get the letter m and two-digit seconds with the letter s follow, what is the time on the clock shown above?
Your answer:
10h19
